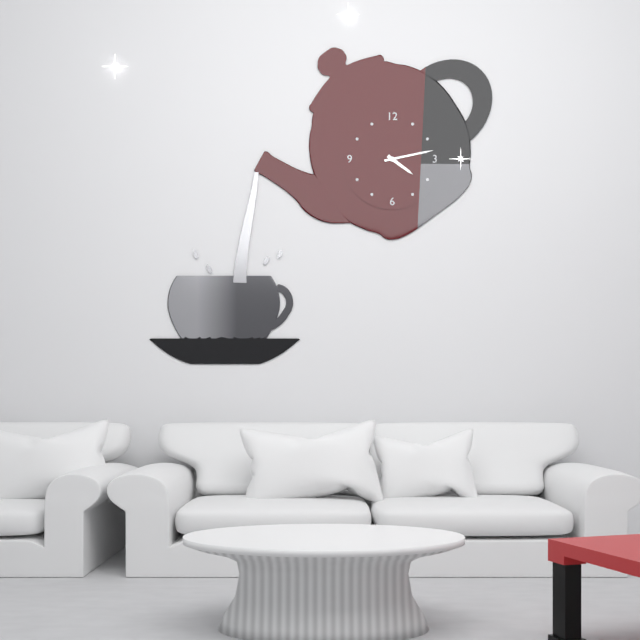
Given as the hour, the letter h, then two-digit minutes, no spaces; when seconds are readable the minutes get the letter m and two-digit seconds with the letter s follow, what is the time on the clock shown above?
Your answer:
4h13
